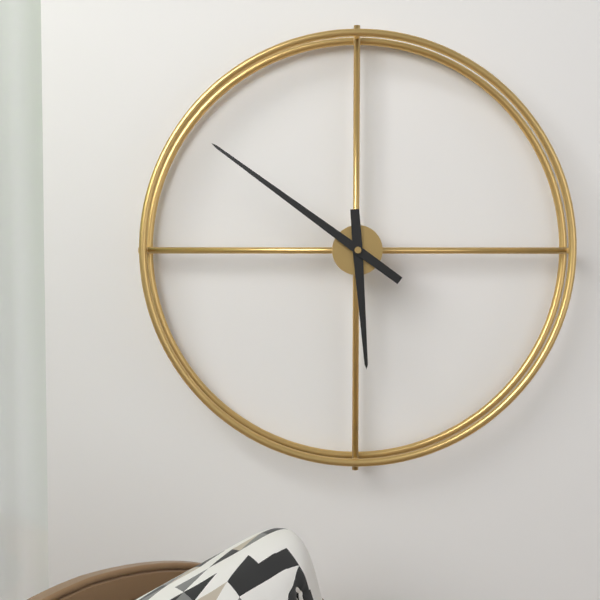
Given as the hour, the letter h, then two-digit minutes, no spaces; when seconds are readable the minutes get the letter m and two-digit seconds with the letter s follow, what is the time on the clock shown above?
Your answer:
5h51
